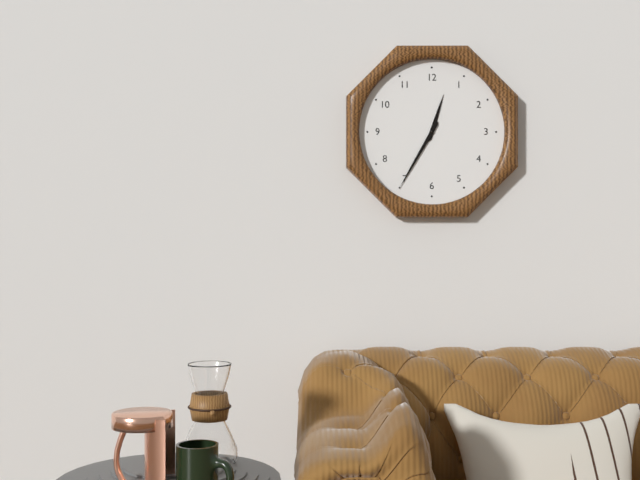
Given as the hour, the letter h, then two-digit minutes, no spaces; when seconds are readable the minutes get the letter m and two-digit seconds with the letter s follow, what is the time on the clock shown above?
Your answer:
12h35
